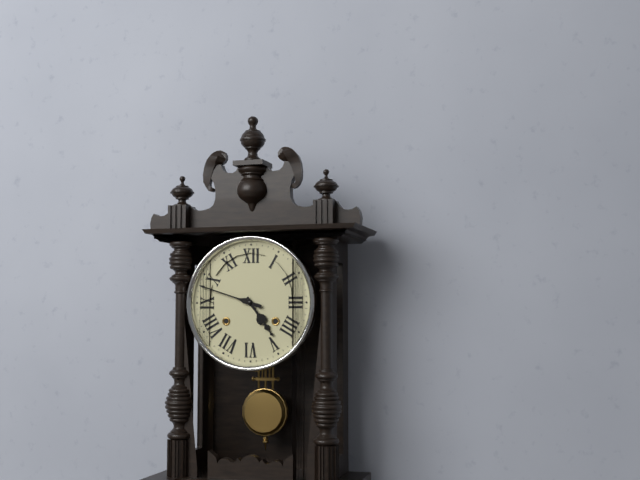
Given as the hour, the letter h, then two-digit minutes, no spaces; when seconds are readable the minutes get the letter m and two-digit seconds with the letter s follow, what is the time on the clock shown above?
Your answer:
4h48
